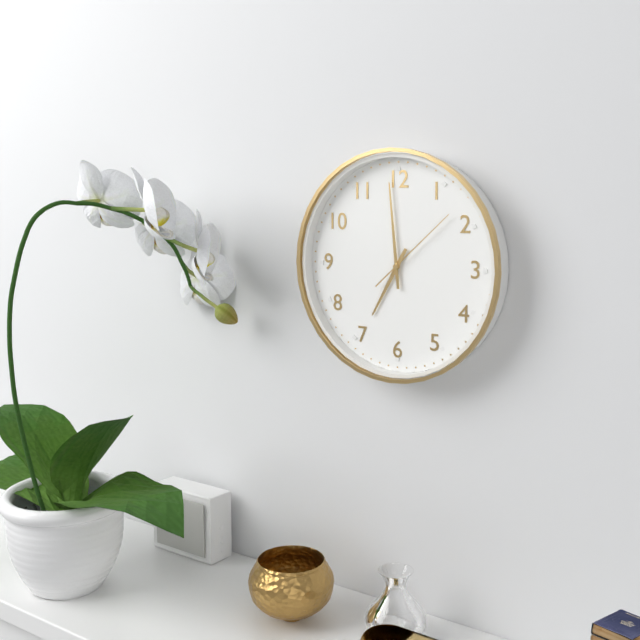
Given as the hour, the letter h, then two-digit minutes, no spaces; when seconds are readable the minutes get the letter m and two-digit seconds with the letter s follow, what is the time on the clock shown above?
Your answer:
6h59m08s
